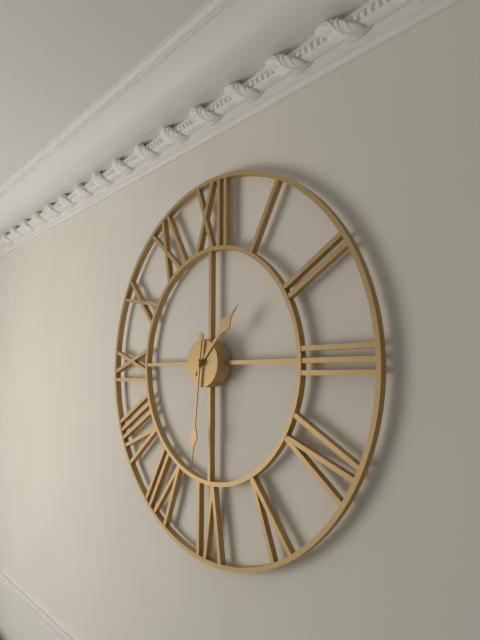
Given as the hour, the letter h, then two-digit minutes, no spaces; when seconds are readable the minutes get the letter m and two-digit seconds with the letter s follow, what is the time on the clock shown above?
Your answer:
1h31
